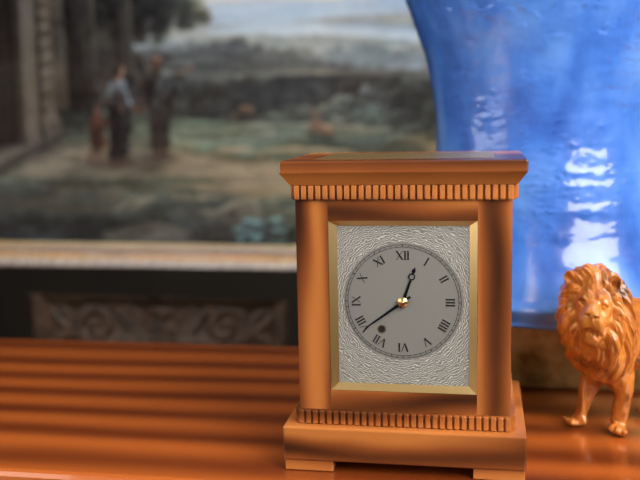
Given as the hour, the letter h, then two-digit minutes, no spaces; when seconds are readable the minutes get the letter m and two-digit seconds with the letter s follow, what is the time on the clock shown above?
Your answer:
12h39
